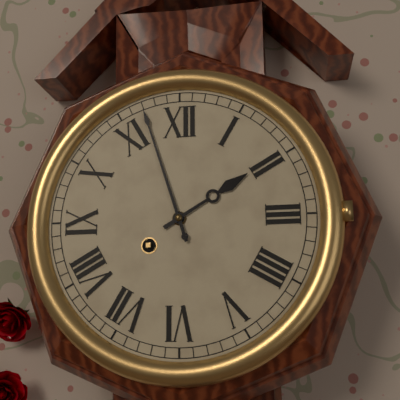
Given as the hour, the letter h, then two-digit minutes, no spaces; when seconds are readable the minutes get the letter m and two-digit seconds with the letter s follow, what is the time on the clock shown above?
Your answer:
1h57
